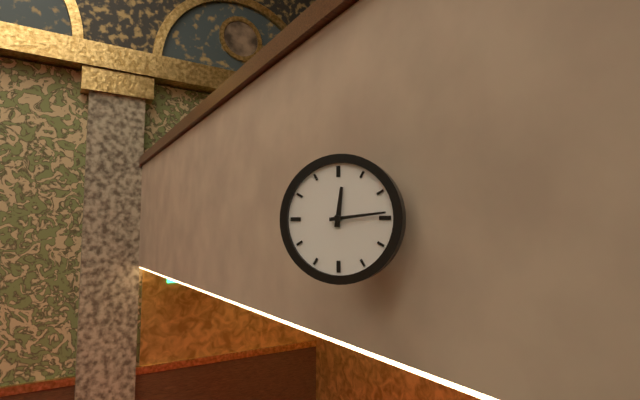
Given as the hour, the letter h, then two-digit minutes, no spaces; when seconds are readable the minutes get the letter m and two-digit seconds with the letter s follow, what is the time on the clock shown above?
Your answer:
12h14
